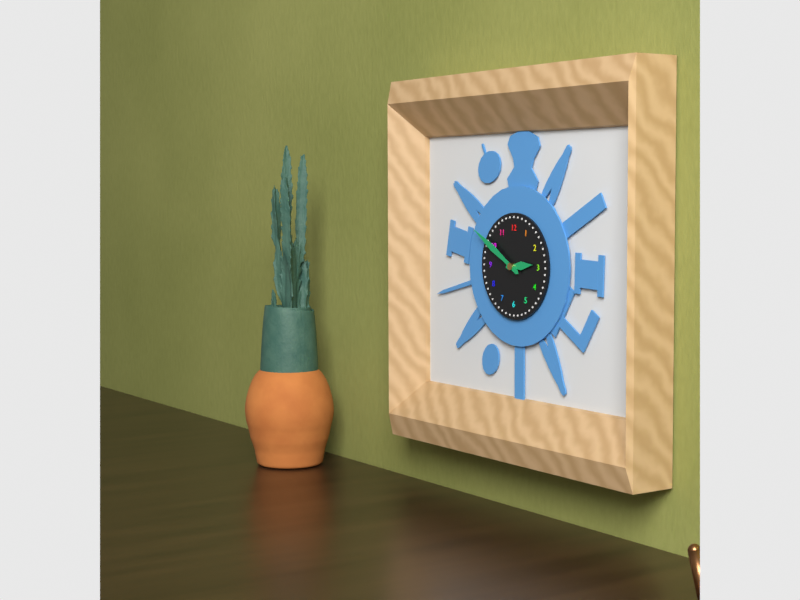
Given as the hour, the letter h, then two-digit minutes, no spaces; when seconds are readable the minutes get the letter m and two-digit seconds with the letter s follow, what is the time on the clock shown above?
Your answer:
2h50
